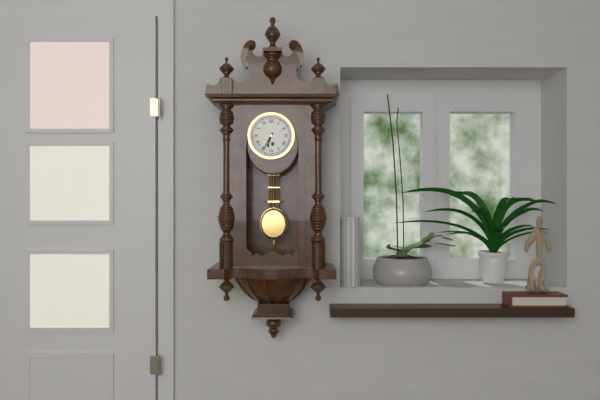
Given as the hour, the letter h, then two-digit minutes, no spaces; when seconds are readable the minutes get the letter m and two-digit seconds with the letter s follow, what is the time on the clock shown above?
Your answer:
6h35
